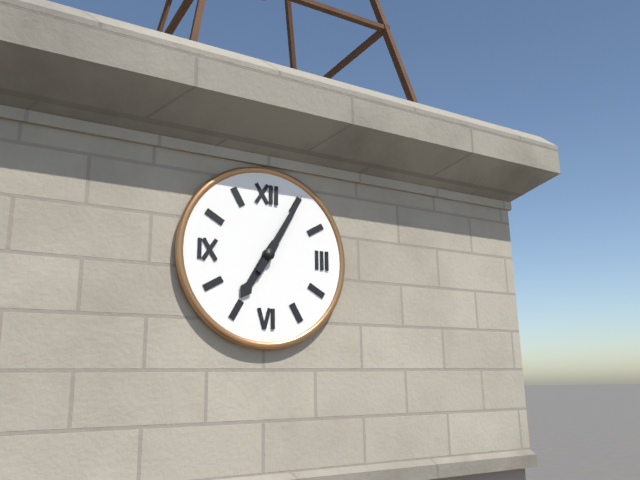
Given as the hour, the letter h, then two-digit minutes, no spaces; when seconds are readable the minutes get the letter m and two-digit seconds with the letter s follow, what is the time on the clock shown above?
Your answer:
7h05
